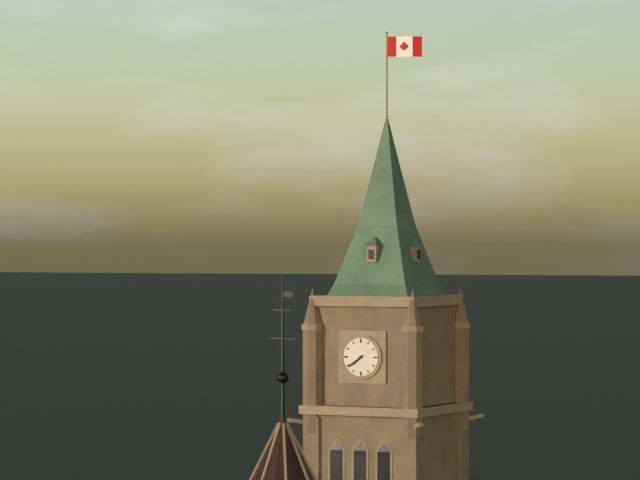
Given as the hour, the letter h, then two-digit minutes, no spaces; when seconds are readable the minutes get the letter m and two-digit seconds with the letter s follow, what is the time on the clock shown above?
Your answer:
7h39
